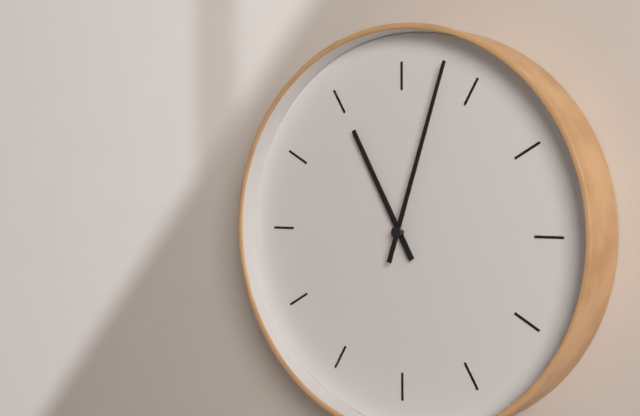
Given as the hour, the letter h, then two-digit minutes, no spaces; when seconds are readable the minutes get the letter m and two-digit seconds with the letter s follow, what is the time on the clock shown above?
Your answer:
11h03
